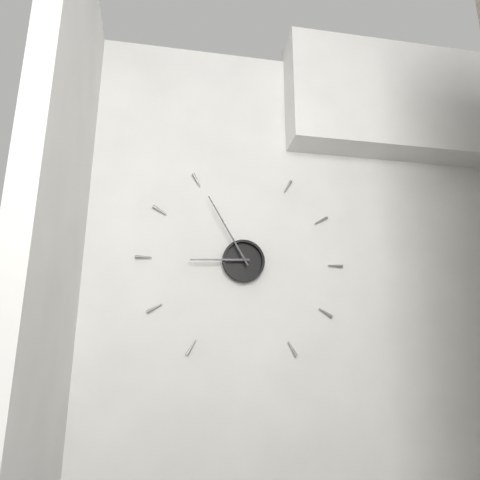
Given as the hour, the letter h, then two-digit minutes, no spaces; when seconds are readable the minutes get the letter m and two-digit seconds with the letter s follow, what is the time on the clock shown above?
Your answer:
8h55
